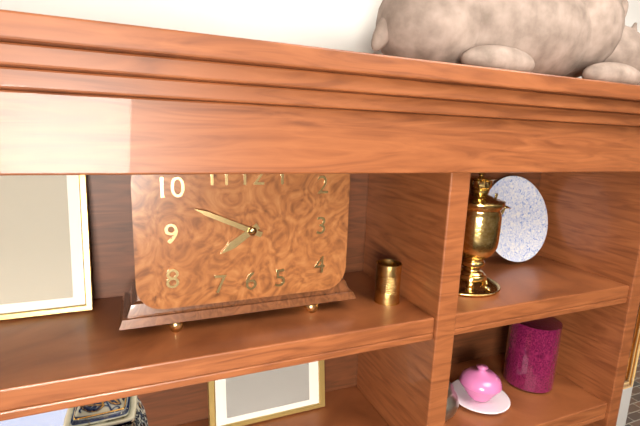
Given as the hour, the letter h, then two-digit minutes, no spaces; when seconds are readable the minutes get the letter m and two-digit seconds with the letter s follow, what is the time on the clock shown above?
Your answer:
7h49
